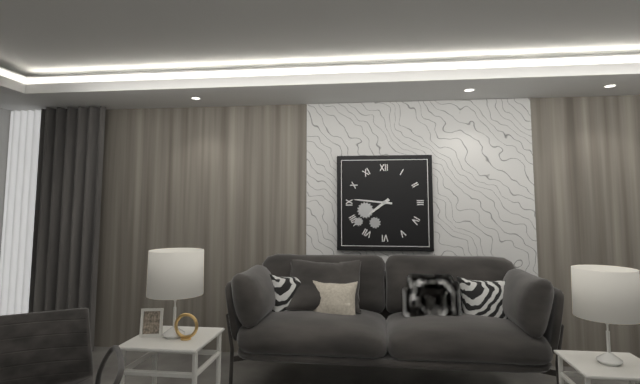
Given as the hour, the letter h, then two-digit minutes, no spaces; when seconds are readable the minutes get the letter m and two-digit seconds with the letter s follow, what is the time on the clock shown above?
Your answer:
7h46
